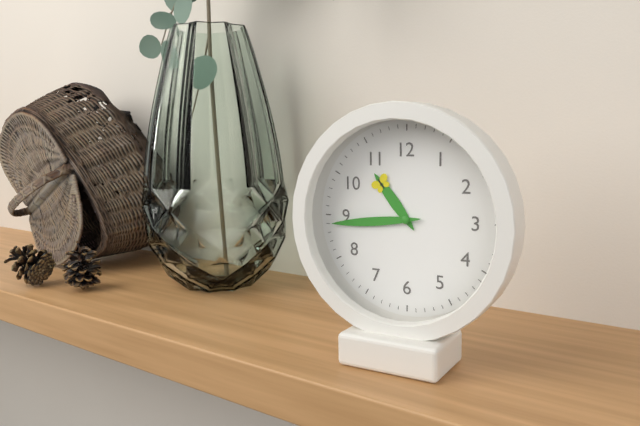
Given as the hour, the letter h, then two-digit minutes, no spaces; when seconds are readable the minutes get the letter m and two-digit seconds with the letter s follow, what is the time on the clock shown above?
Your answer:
10h44
